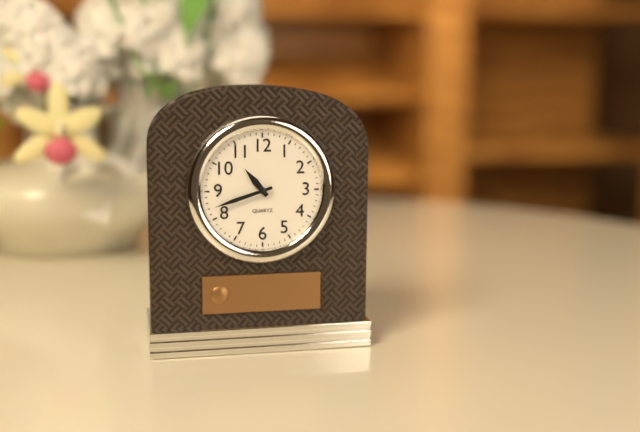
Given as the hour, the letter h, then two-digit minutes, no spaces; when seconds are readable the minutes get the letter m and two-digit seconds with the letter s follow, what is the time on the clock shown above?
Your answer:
10h42
